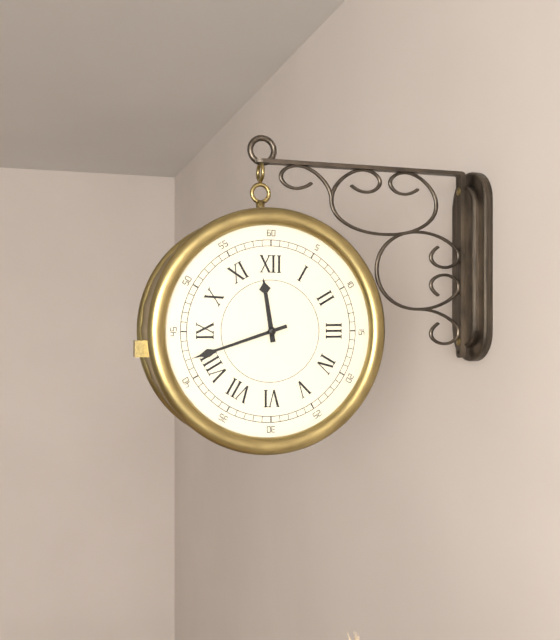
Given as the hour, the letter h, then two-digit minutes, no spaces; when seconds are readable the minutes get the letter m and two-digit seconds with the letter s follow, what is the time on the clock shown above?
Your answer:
11h42
